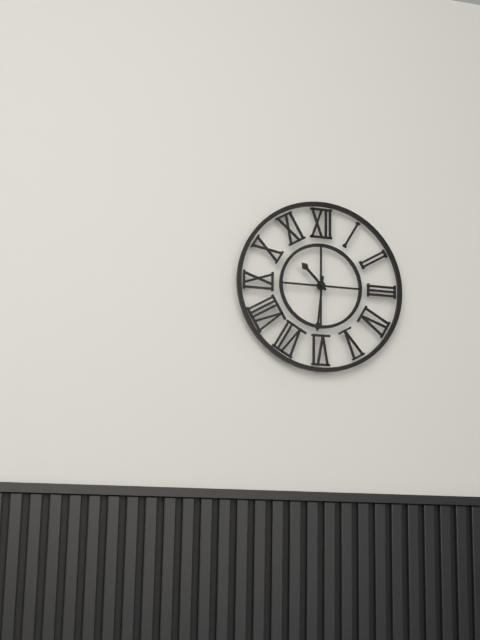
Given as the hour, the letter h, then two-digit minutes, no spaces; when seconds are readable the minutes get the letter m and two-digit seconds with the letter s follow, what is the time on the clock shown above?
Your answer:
10h31
